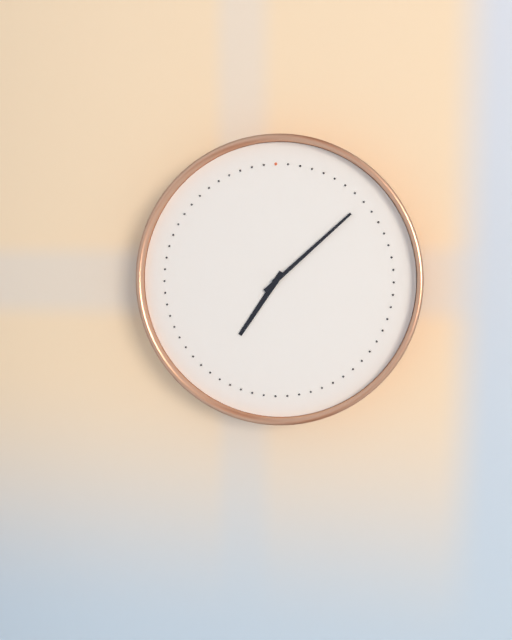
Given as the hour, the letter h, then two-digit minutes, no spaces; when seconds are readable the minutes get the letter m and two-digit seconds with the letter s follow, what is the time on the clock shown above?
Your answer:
7h08
